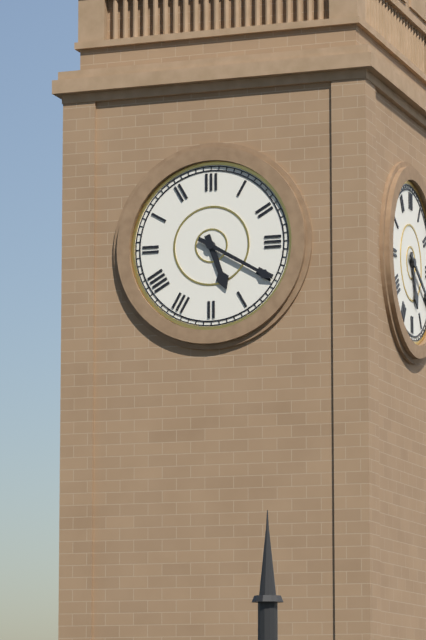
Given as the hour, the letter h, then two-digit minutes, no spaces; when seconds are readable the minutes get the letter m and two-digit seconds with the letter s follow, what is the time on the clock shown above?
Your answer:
5h20
